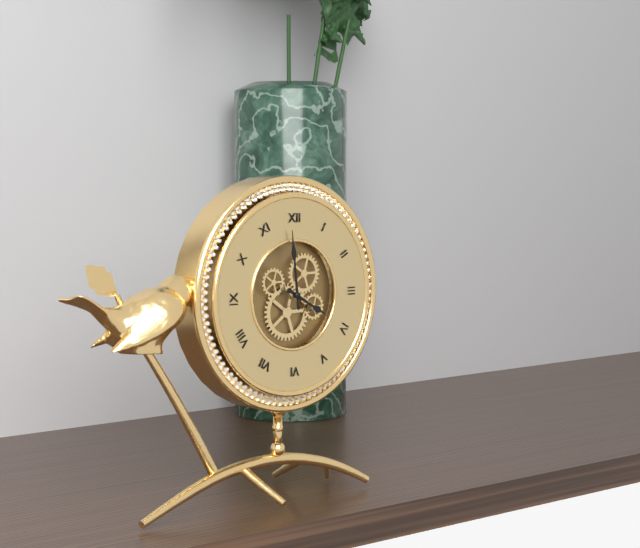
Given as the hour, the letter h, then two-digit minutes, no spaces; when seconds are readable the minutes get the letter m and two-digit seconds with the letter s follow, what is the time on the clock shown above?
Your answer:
3h59
